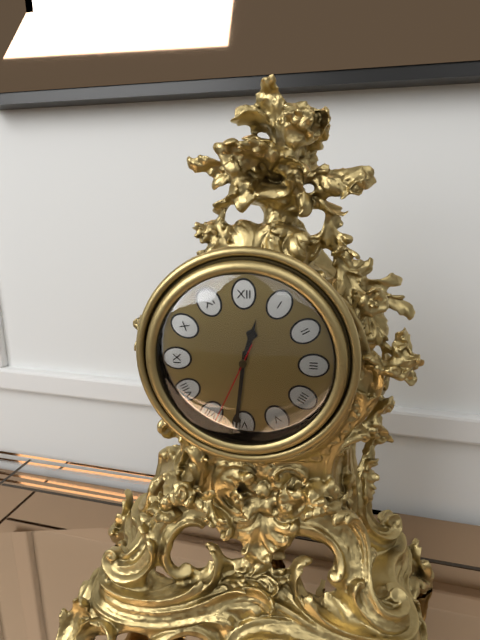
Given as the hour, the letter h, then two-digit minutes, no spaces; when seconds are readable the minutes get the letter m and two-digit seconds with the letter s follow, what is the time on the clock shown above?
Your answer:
12h31m34s
